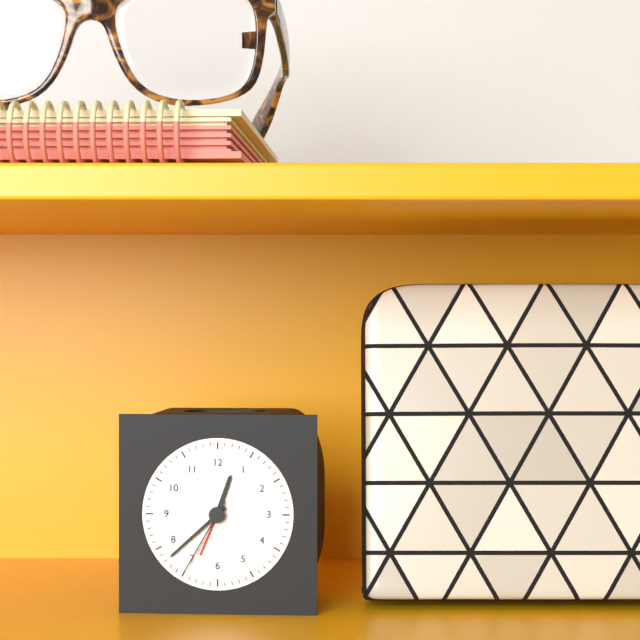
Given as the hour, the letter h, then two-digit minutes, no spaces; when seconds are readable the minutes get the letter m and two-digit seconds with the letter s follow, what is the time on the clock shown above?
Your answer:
12h38m35s
